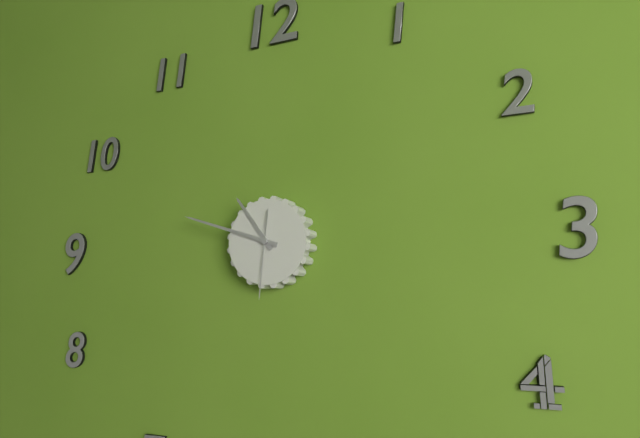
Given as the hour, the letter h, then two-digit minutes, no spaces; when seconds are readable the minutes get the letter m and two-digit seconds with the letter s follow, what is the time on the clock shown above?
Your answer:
10h48m31s
